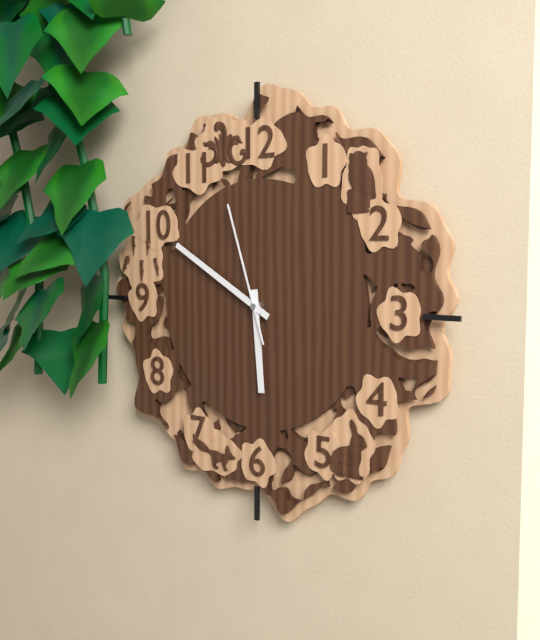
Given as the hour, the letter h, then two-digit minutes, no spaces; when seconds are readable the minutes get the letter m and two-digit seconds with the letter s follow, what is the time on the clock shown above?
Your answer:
5h50m57s
